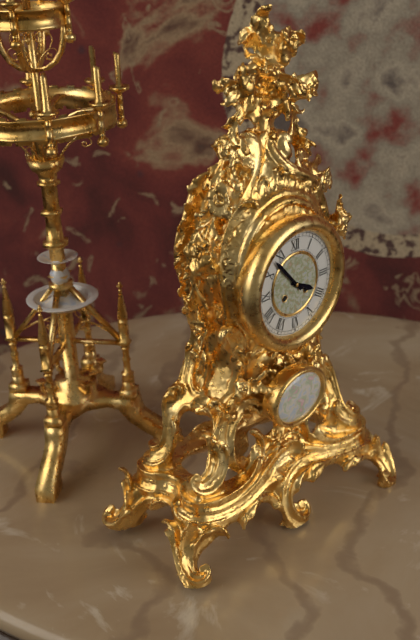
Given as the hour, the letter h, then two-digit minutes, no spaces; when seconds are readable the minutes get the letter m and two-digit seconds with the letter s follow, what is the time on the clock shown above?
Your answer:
3h53
